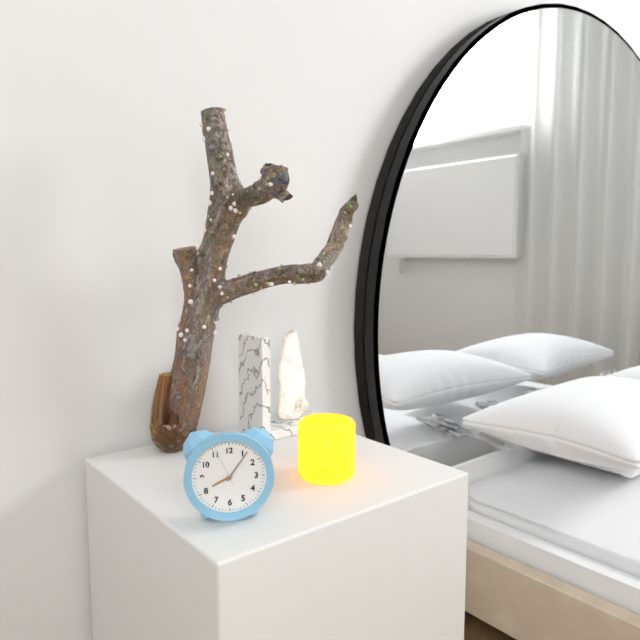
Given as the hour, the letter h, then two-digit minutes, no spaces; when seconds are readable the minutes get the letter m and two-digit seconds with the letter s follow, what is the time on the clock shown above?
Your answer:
8h06
